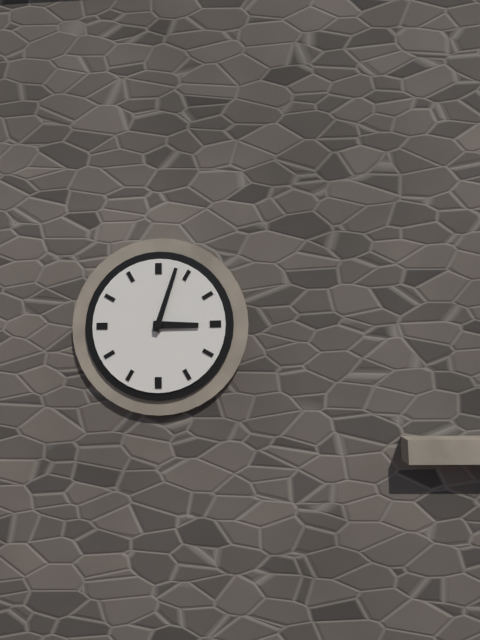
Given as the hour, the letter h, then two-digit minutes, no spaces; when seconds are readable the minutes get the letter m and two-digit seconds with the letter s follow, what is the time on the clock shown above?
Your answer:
3h03
